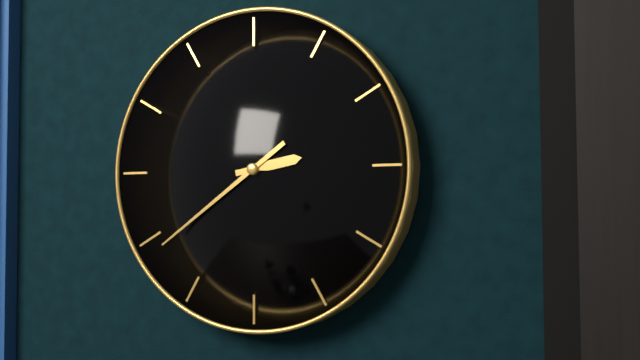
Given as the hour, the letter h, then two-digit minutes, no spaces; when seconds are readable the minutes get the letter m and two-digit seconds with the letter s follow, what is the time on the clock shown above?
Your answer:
2h39
